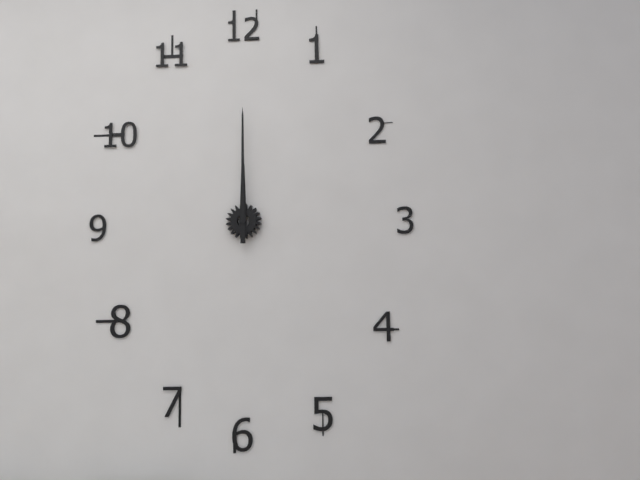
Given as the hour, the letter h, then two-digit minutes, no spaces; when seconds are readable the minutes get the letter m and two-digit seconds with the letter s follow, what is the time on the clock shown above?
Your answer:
12h00
